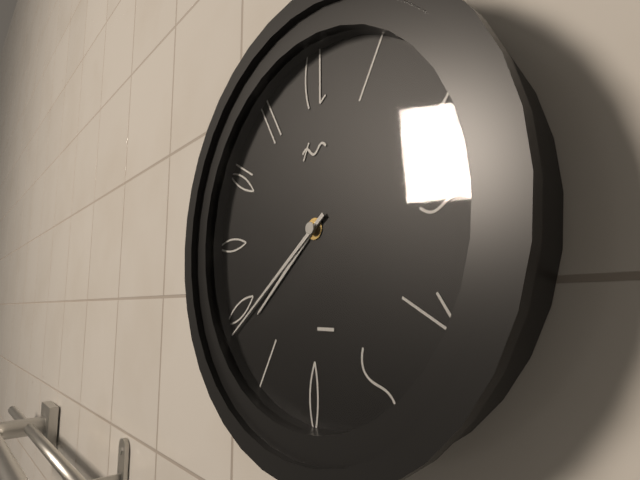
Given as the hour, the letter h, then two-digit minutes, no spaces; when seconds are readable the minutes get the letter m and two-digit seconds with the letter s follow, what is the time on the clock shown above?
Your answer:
7h39
